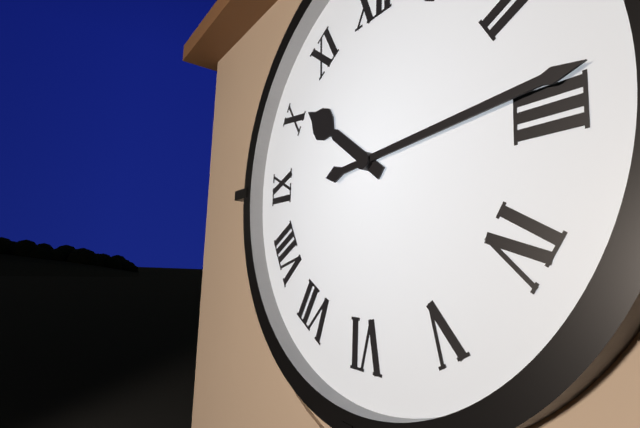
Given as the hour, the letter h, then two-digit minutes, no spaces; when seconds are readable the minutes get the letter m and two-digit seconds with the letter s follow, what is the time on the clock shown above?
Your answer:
10h14
